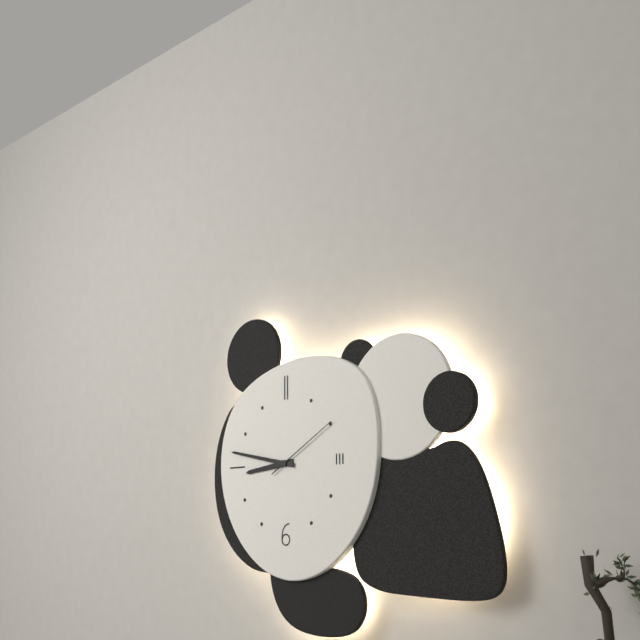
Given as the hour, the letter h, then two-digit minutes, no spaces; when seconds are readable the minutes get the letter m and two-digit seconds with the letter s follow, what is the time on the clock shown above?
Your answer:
8h47m10s
